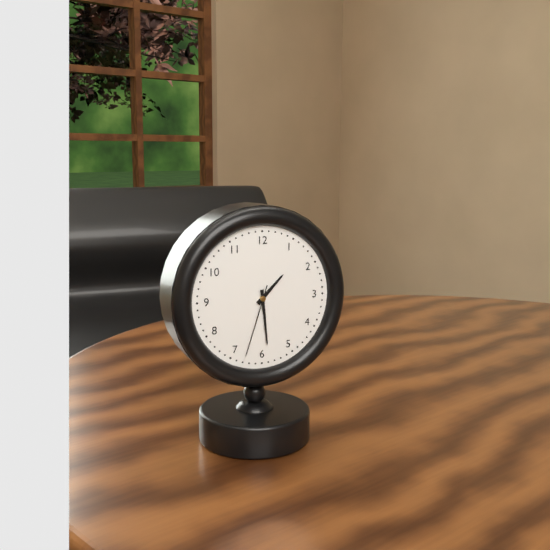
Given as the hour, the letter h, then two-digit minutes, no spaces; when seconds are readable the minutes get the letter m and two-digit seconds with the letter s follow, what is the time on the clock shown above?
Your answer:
1h29m33s
